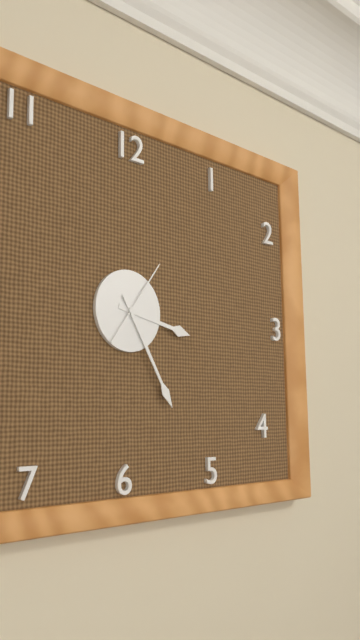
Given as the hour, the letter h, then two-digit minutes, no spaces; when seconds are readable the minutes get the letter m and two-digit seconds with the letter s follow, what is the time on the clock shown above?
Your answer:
3h25m06s
